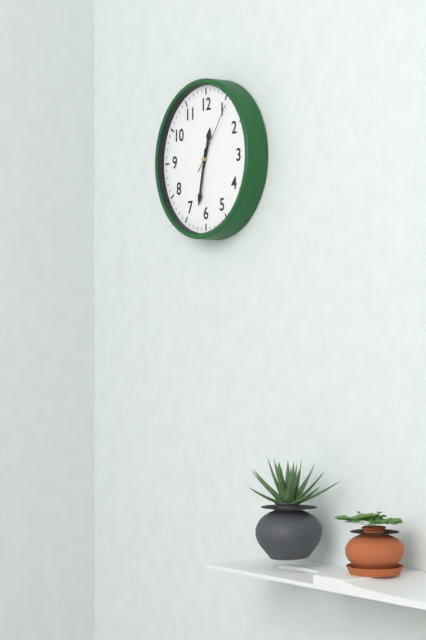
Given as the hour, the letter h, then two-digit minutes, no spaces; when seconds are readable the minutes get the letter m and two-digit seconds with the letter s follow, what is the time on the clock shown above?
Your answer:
12h32m06s
